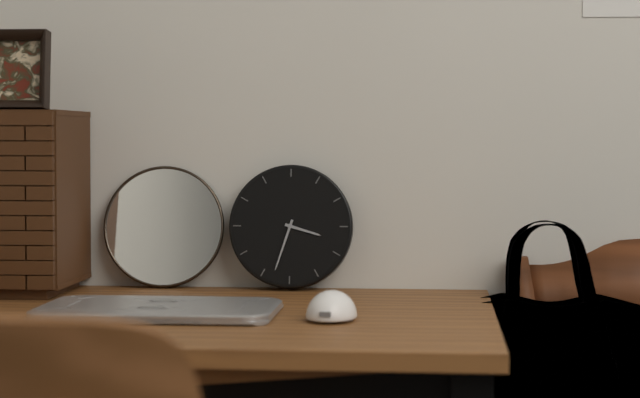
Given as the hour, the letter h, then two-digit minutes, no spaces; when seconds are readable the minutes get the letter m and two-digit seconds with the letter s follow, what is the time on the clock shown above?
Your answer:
3h33
